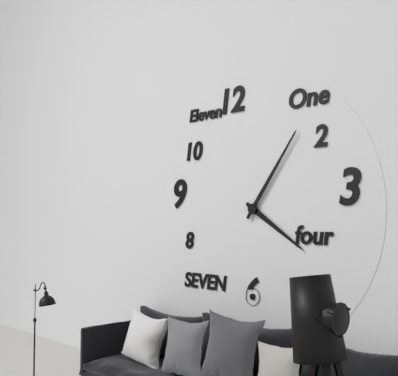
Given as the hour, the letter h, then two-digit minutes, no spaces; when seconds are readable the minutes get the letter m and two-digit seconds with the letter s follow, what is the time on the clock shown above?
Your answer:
4h06
